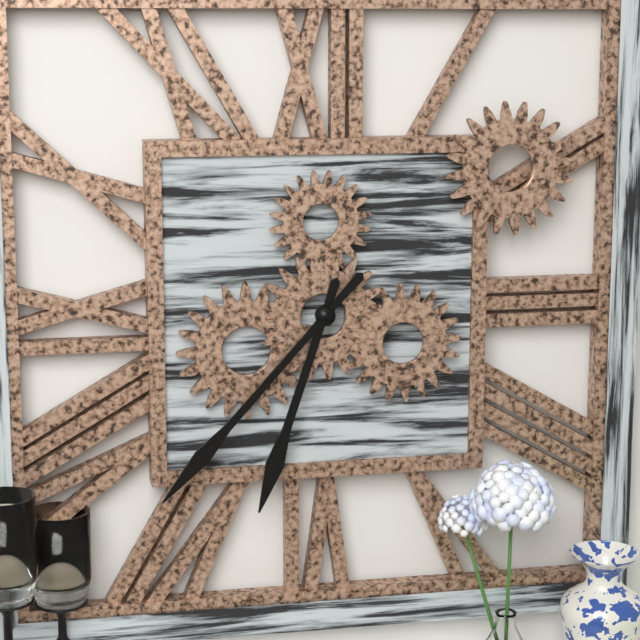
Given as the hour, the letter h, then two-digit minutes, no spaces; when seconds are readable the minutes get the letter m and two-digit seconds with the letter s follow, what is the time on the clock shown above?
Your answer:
6h37
